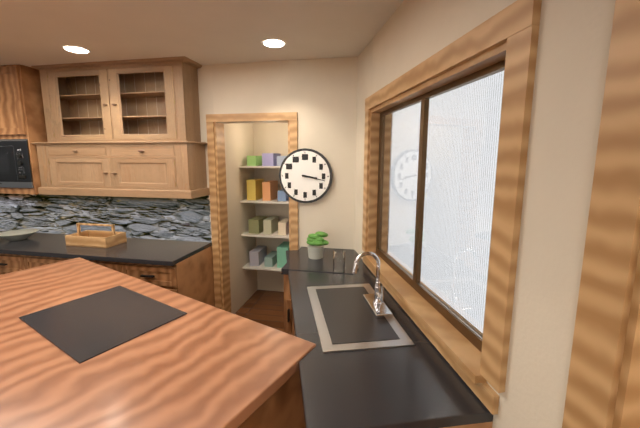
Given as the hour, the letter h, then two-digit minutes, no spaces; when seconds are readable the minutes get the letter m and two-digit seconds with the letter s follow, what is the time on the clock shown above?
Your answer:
3h17
